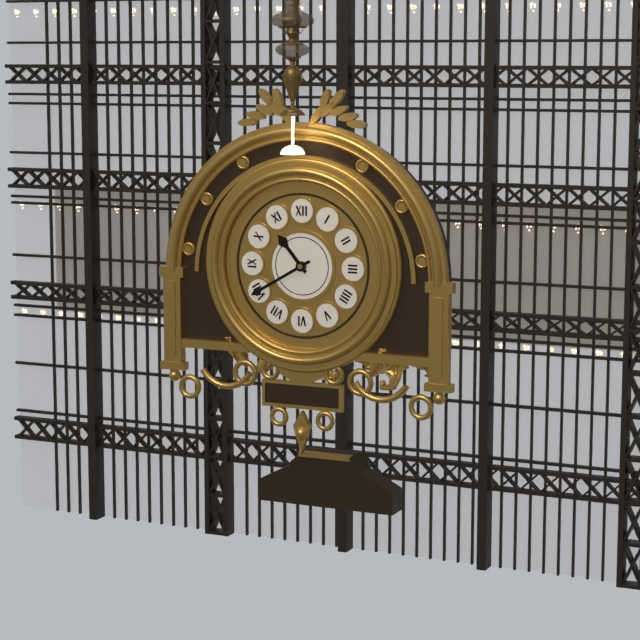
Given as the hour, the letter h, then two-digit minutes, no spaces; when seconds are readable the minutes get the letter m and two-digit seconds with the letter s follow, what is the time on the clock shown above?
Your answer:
10h40
